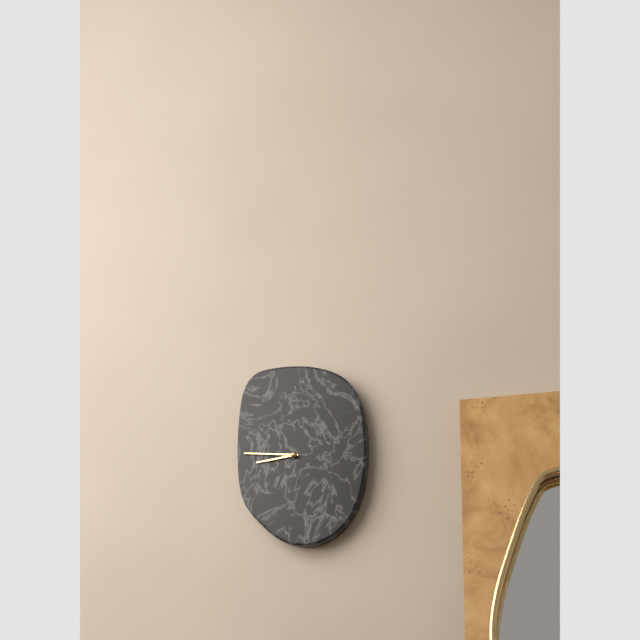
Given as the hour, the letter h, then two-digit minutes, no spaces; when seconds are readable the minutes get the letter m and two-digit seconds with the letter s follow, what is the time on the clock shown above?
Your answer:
8h46
